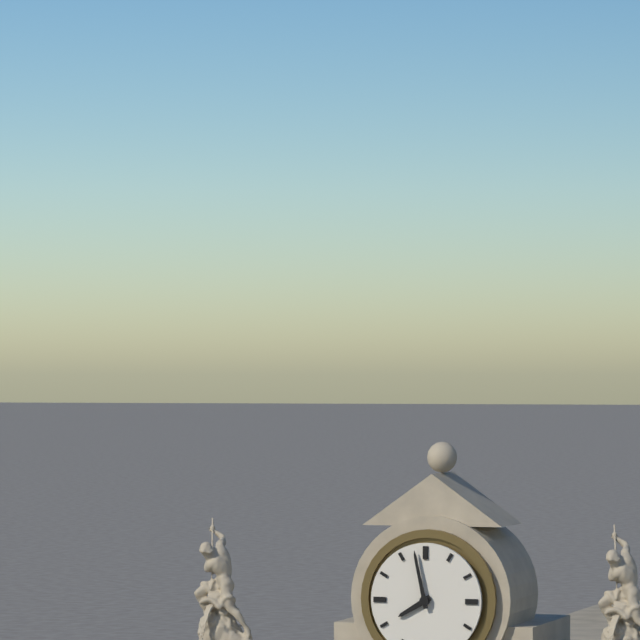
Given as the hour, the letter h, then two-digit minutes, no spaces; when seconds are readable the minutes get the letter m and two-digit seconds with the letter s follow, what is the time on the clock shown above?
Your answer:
7h58
